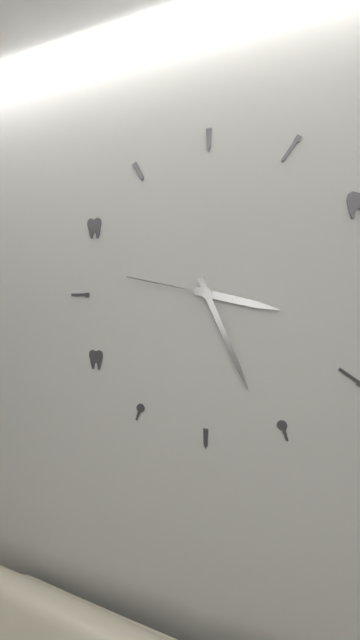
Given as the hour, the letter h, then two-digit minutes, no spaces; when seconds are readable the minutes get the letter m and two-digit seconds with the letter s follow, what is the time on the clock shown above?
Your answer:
3h26m47s
